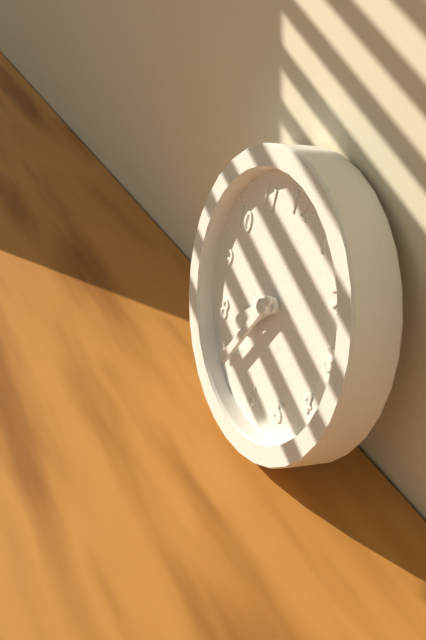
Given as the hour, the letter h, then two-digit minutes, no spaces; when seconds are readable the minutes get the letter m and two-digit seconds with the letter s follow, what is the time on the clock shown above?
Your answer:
7h35
